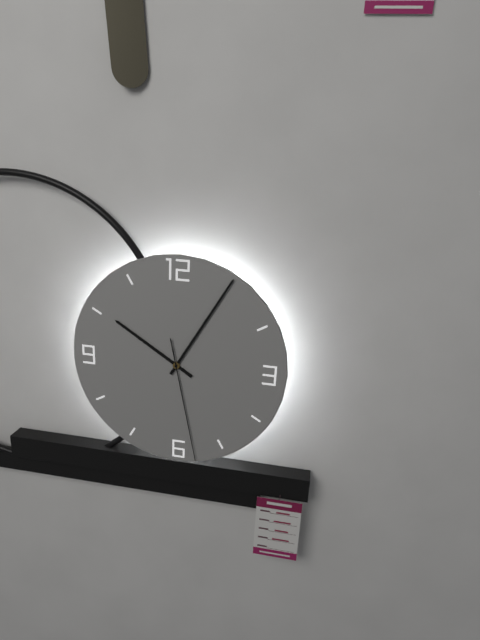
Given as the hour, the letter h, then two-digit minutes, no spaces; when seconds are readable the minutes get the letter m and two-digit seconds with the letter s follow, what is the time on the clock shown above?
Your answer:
10h05m28s
